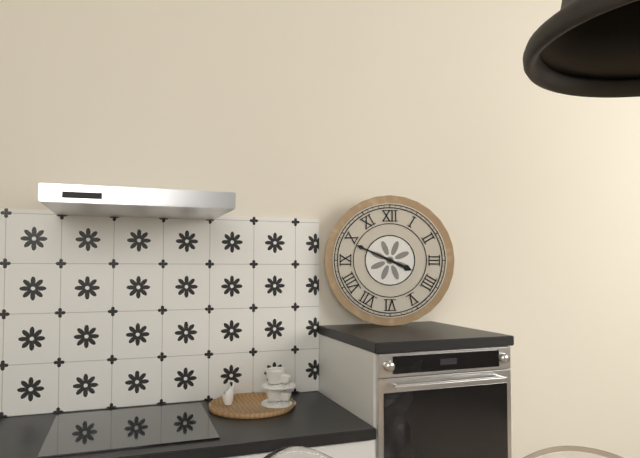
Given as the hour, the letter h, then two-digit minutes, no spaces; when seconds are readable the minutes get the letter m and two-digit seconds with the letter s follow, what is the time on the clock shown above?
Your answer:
3h49
